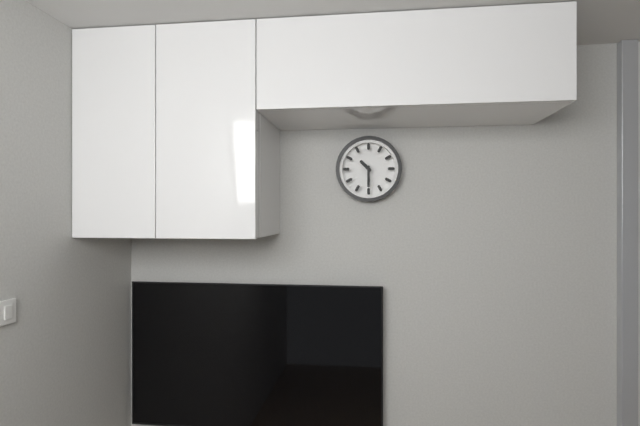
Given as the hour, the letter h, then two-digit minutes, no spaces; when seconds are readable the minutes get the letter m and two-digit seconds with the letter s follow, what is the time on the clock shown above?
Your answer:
10h30
